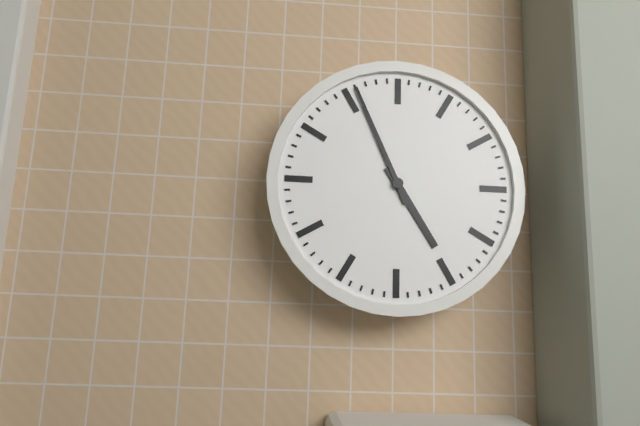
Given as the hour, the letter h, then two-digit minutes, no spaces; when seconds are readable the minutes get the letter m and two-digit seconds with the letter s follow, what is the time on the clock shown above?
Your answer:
4h56
